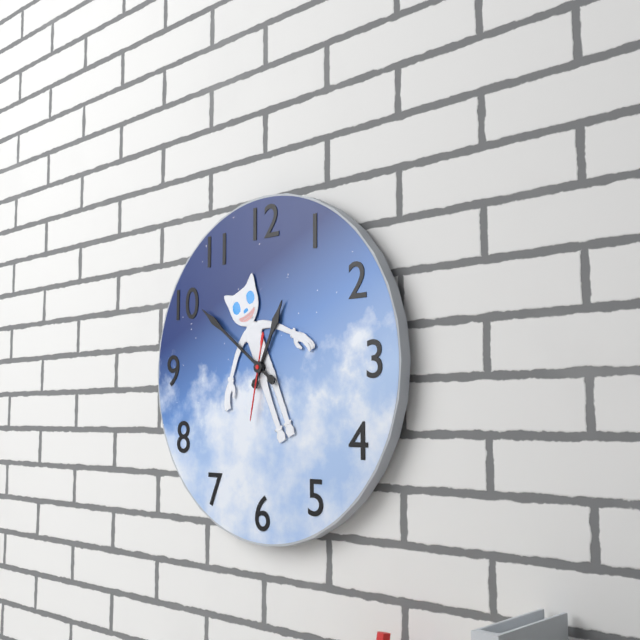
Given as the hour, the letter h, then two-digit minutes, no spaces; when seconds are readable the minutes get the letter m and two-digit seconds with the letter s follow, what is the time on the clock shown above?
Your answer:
12h51m32s
